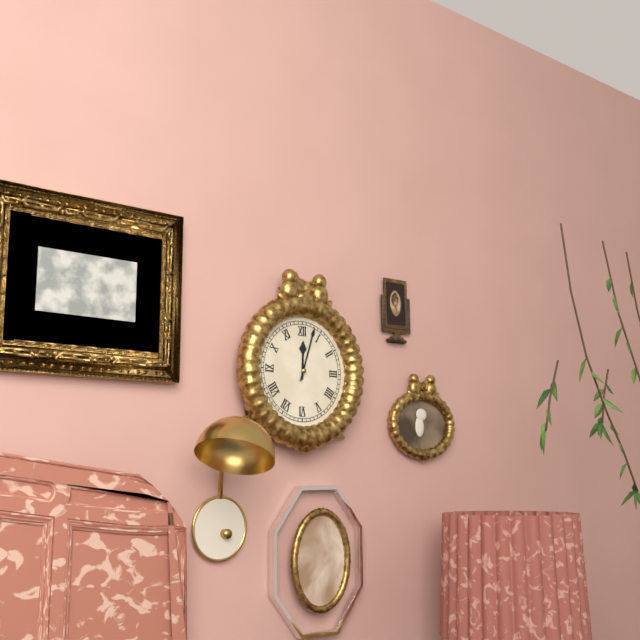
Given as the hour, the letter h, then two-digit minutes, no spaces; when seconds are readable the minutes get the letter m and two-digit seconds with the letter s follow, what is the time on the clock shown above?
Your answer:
12h03
